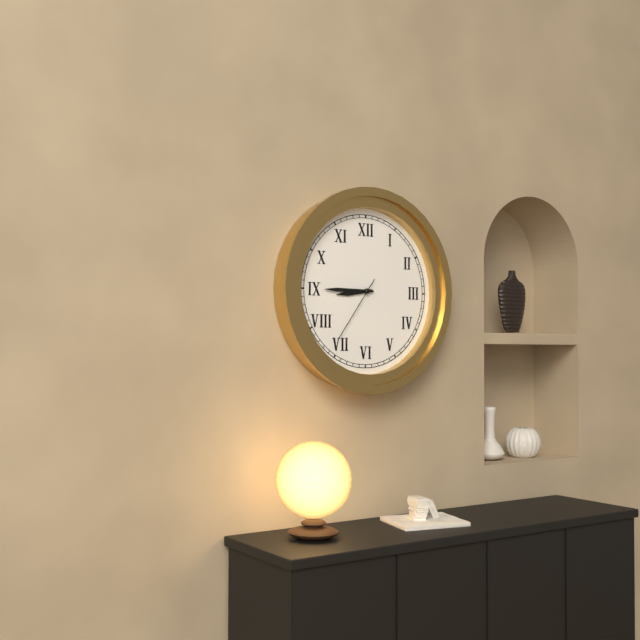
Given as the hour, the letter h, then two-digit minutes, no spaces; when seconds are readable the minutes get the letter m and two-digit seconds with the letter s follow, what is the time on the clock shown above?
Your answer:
8h45m36s
